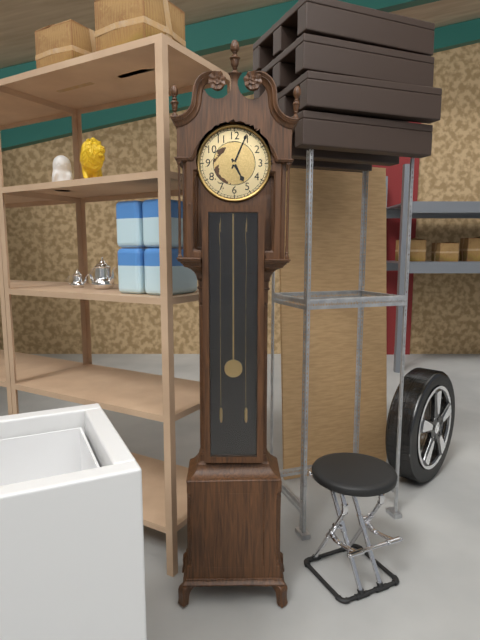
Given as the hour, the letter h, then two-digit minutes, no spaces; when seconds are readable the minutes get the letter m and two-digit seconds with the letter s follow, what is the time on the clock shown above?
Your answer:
5h04
